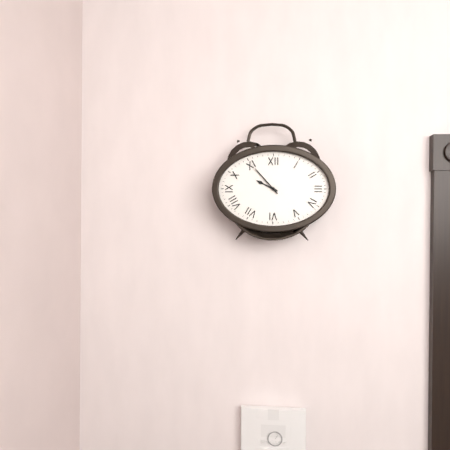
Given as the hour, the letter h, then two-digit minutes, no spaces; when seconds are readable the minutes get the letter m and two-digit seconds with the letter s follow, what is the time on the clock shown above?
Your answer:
9h53
